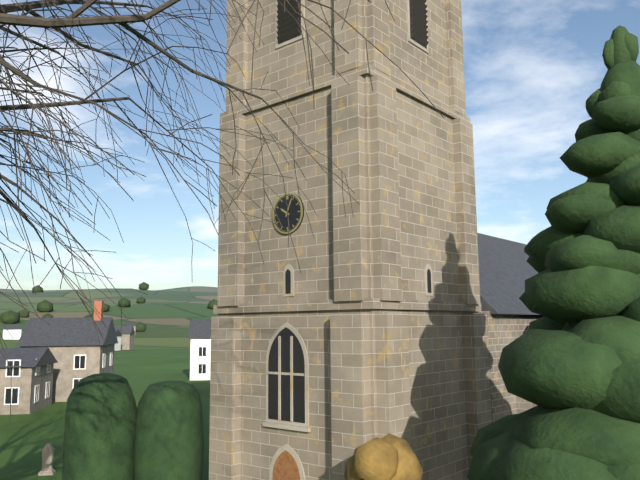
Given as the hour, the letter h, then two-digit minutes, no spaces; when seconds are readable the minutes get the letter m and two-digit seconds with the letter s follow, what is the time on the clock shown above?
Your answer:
10h04
